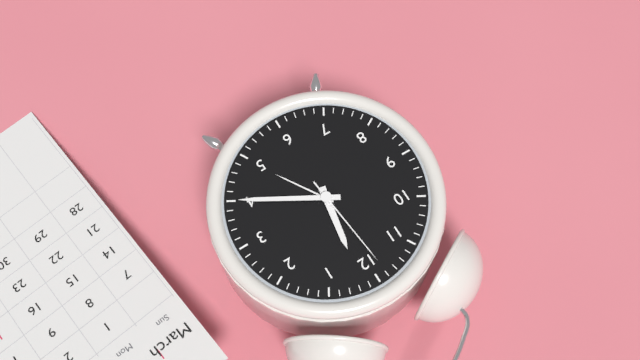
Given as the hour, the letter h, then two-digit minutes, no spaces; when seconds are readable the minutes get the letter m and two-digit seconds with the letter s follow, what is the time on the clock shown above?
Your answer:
12h20m59s
